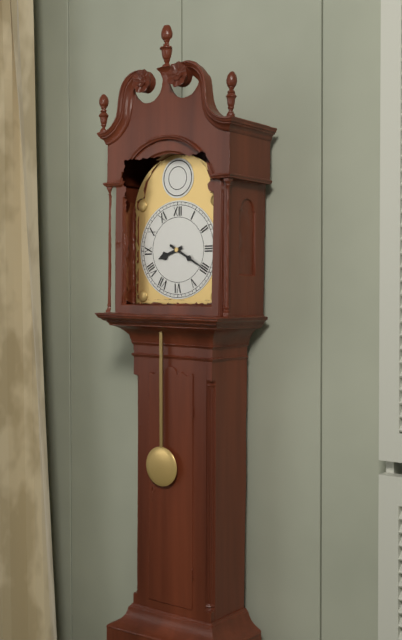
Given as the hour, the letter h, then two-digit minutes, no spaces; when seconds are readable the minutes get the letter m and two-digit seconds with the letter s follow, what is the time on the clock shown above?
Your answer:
8h20
